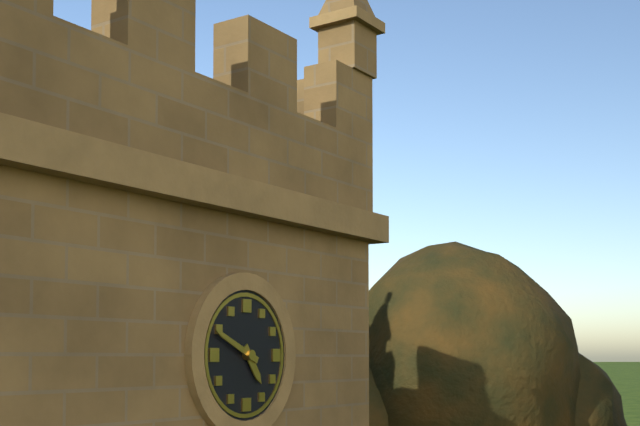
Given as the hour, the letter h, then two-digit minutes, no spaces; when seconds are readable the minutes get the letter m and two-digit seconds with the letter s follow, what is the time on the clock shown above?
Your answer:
4h49
